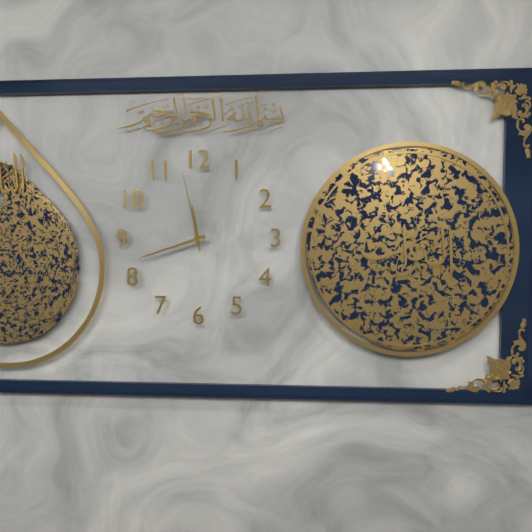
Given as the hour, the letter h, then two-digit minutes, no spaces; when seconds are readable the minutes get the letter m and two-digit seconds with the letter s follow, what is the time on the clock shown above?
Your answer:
11h42m58s
